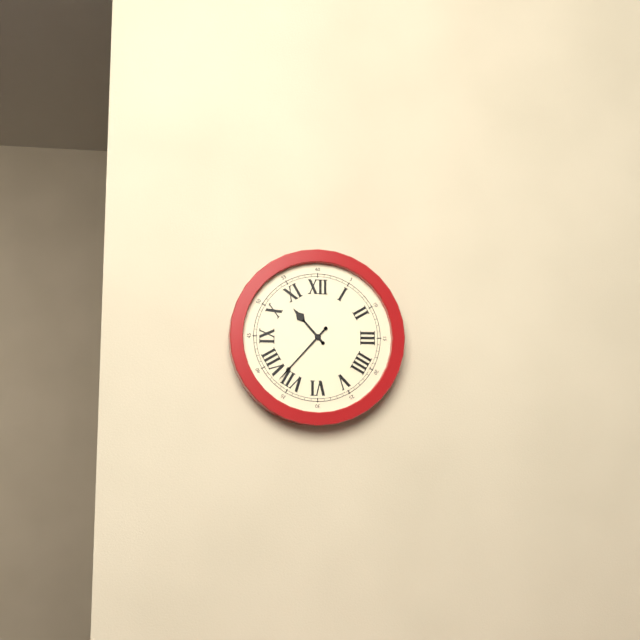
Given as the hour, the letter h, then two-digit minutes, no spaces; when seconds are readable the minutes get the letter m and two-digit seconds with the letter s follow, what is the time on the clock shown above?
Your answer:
10h37
